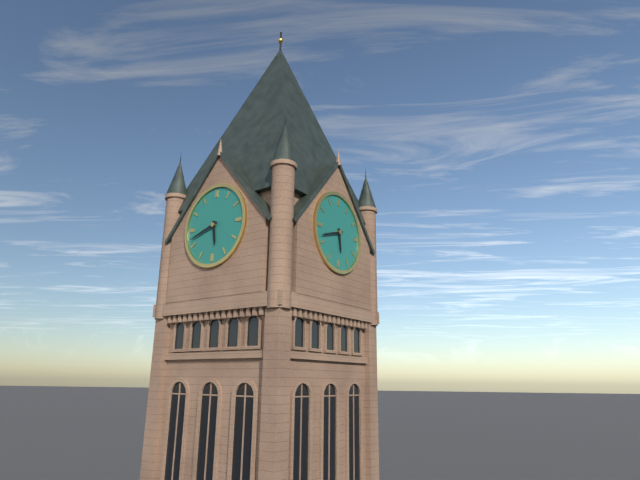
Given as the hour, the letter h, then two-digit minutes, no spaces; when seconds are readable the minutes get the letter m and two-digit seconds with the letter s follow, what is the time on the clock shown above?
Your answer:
5h42
